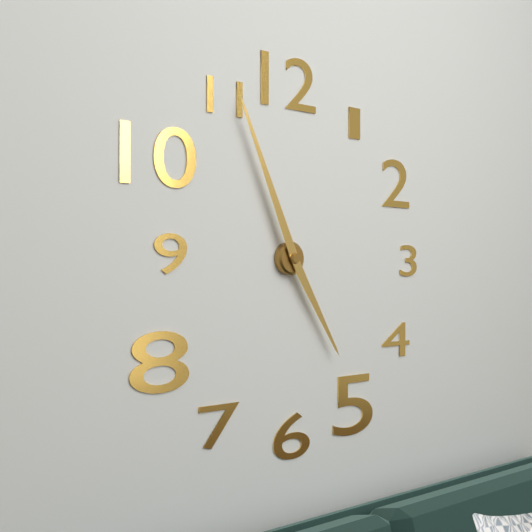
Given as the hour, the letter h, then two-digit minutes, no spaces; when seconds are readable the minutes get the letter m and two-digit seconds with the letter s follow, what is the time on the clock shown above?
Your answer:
4h56
